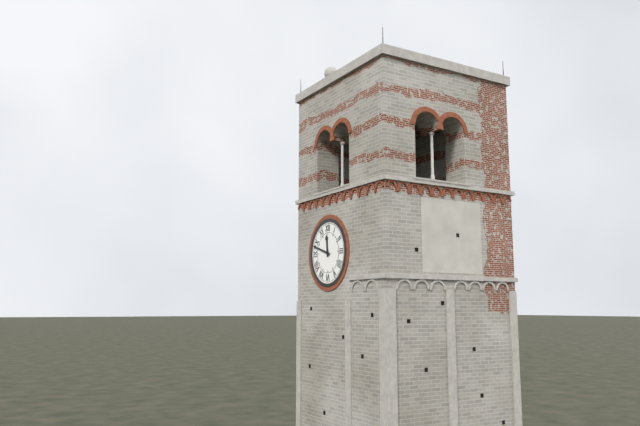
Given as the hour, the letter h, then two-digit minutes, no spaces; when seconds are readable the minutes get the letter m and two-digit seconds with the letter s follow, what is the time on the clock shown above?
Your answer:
11h48
